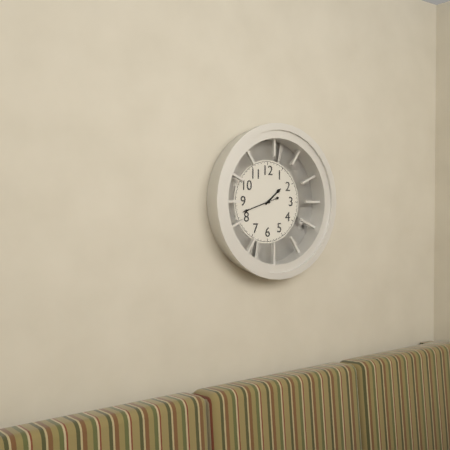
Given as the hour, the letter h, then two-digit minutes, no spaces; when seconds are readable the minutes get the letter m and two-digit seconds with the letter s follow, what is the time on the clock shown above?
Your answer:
1h42
